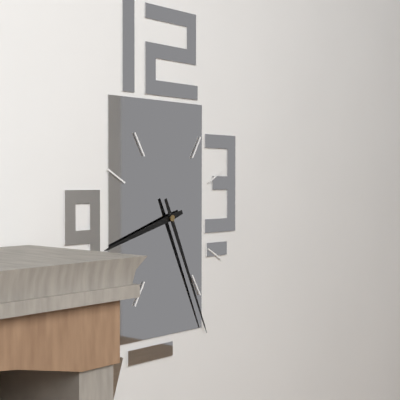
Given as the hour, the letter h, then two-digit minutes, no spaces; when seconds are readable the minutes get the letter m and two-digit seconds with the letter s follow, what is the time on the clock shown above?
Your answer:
8h26
